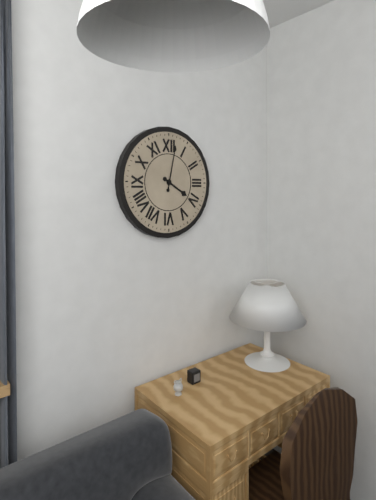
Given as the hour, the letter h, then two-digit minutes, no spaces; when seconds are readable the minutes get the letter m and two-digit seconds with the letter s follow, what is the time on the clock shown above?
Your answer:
4h02
